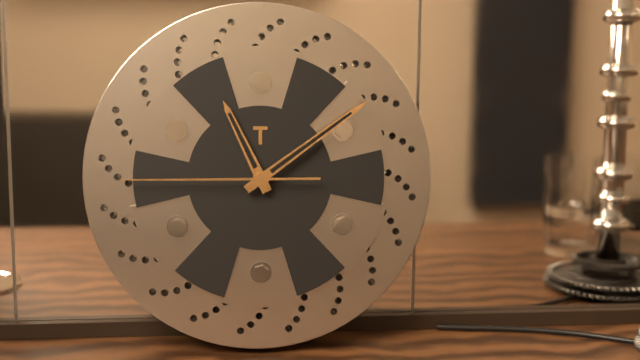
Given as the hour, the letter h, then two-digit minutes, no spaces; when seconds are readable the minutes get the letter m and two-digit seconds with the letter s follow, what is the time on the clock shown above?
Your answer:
11h09m45s
